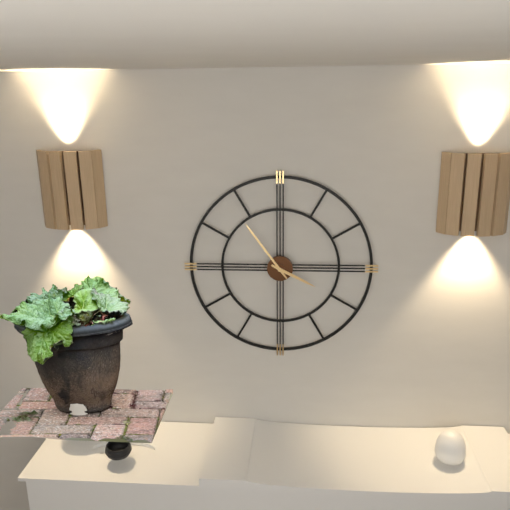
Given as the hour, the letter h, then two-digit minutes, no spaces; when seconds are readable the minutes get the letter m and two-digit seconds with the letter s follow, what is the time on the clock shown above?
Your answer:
3h54
